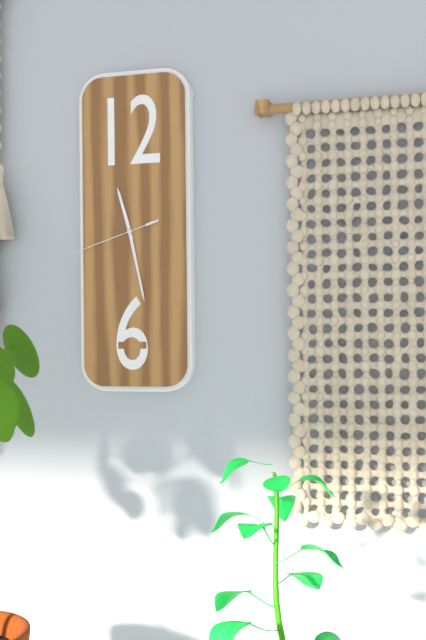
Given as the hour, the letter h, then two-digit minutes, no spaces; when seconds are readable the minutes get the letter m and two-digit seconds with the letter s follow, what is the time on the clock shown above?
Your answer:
11h28m42s
